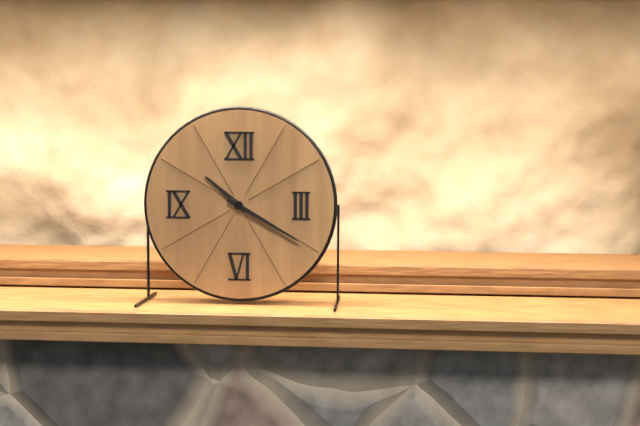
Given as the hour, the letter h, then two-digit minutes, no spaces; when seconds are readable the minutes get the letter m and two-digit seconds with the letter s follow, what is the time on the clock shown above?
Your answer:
10h20
